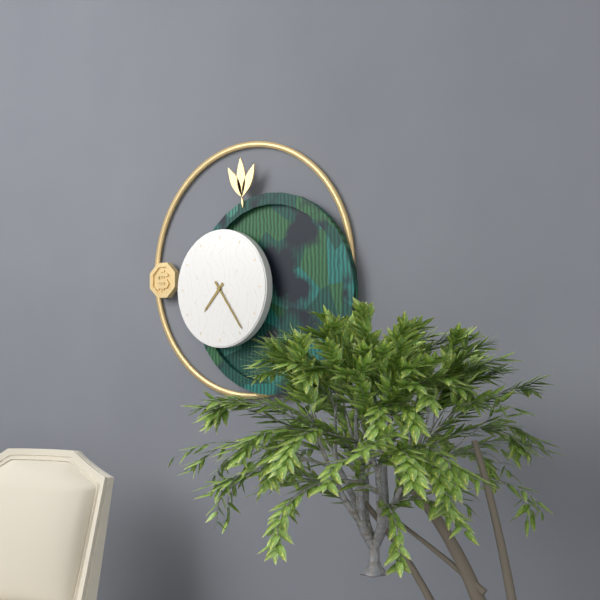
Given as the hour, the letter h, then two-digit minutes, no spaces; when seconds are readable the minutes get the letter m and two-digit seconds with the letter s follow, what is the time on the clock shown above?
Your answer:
7h24
